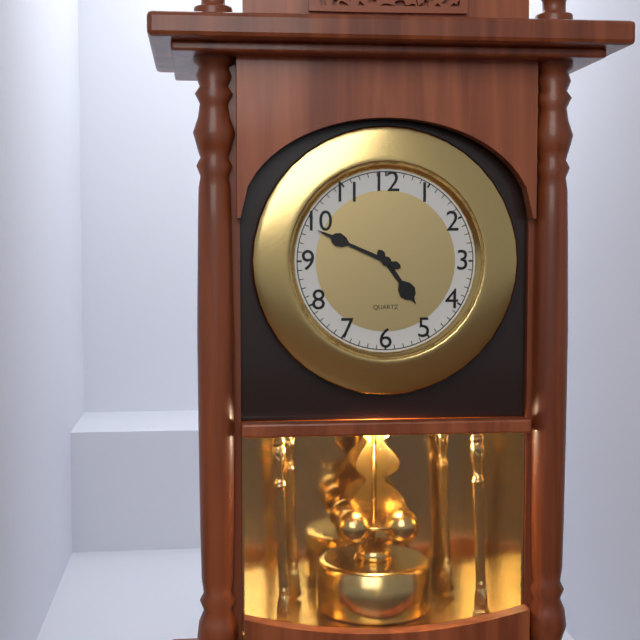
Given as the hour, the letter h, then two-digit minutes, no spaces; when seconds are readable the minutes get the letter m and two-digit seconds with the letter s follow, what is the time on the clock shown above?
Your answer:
4h49
